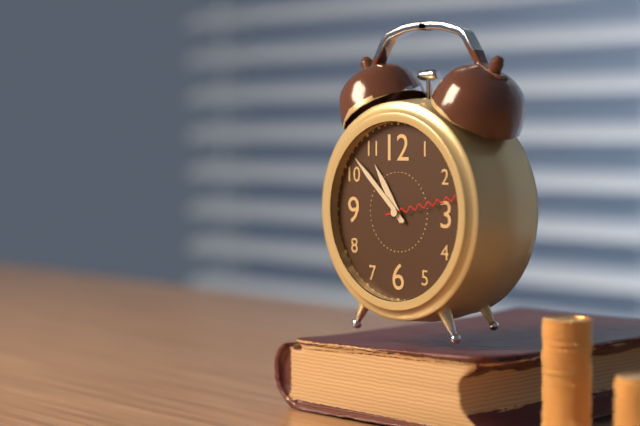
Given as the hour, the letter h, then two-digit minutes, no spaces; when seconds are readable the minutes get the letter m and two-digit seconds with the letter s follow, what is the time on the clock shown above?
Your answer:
10h52m13s
